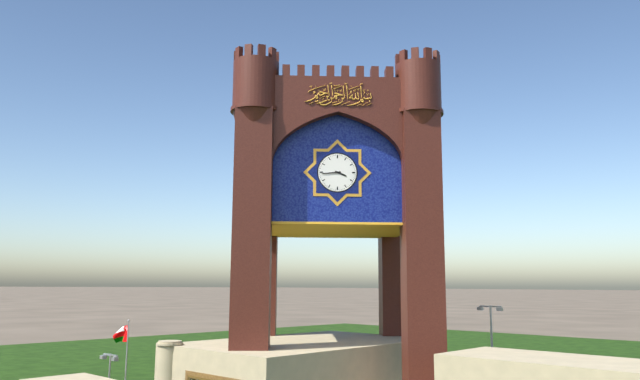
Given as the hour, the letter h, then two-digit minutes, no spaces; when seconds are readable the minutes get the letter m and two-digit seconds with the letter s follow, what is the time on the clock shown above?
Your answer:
3h44
